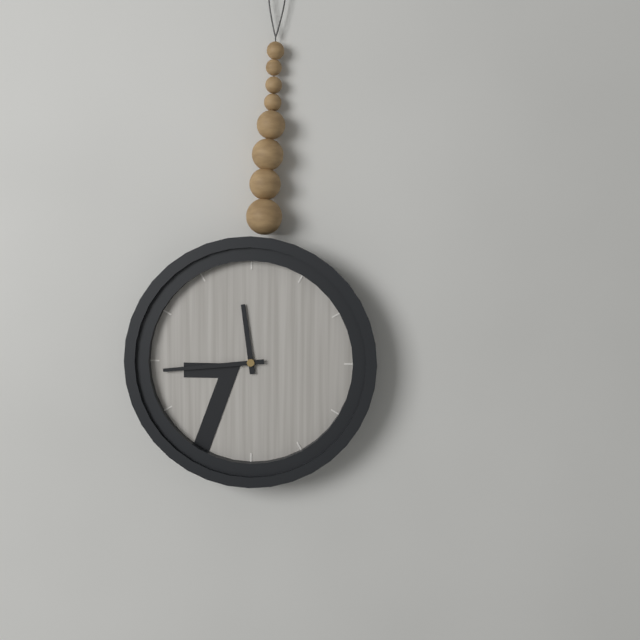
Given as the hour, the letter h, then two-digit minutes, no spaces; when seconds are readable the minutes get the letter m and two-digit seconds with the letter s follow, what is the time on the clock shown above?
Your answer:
11h44
